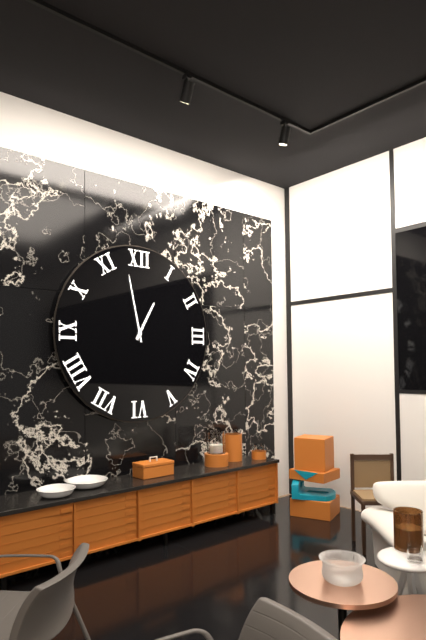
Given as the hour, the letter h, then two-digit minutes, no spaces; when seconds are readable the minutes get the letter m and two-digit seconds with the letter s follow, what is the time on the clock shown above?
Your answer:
12h58
